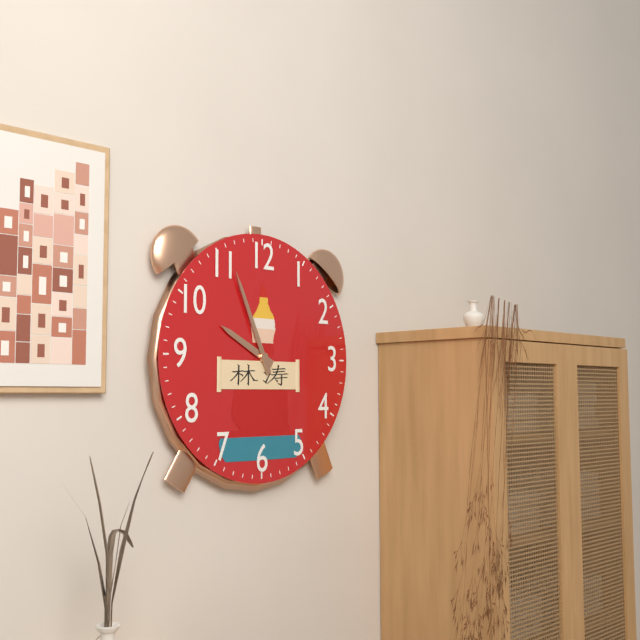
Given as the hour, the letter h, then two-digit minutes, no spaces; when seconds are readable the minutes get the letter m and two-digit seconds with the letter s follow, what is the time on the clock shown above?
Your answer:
9h56
